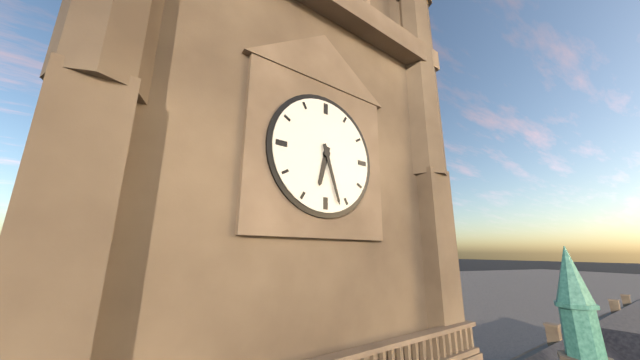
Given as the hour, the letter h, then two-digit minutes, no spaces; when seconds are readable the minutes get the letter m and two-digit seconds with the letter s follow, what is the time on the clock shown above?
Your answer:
6h27
